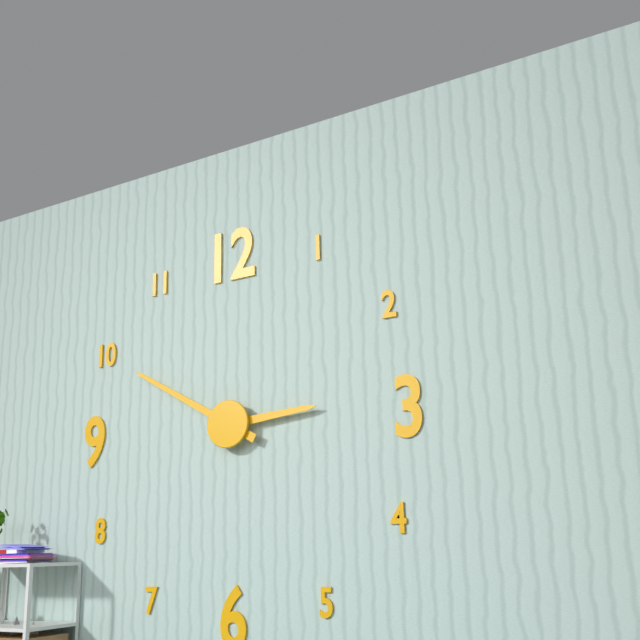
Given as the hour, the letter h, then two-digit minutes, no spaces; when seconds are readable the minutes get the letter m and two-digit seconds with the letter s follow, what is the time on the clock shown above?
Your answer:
2h50
